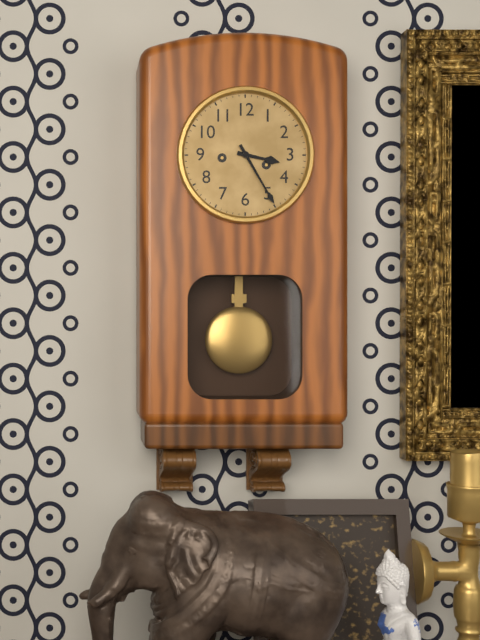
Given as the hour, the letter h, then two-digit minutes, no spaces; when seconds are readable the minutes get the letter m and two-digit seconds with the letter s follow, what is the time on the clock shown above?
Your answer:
3h25
